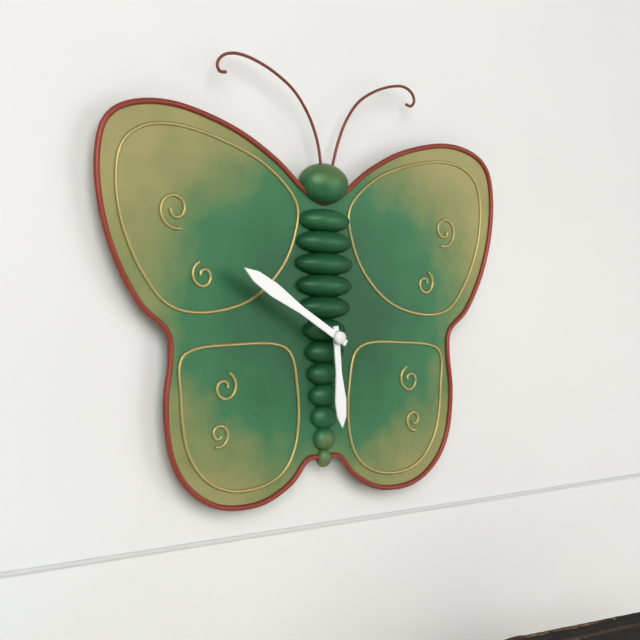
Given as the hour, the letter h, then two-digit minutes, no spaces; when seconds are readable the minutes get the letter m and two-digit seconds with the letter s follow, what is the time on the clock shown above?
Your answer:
5h50
